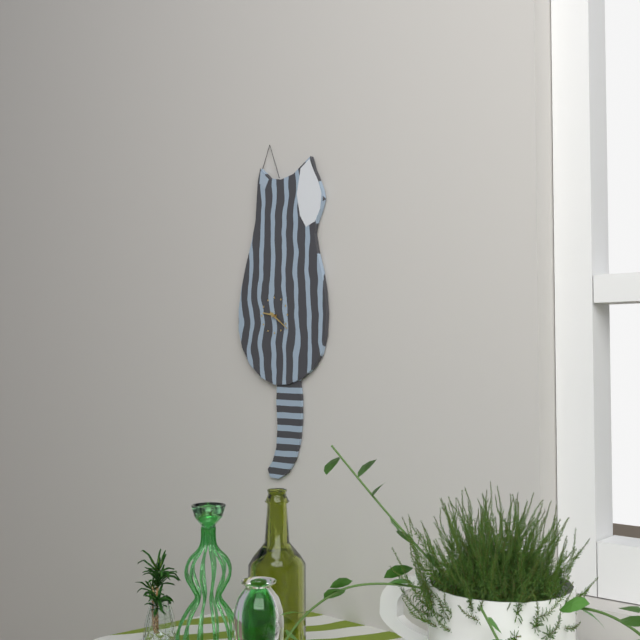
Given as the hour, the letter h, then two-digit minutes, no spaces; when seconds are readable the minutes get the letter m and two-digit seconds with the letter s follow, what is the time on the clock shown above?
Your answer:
9h21
